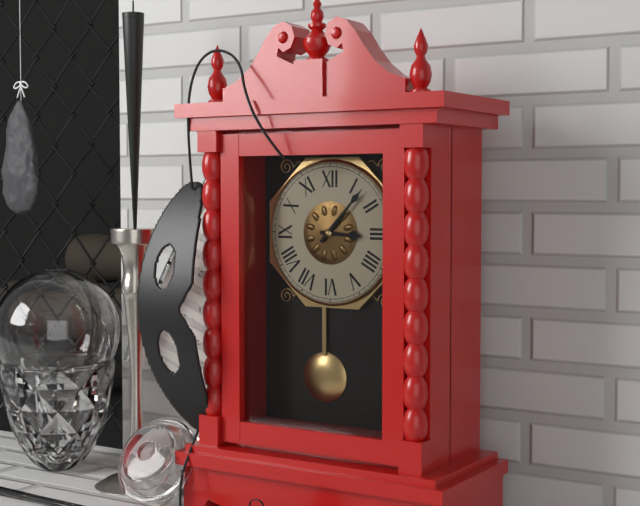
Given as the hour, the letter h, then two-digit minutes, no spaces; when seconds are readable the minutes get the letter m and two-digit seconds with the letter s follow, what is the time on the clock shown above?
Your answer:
3h07
